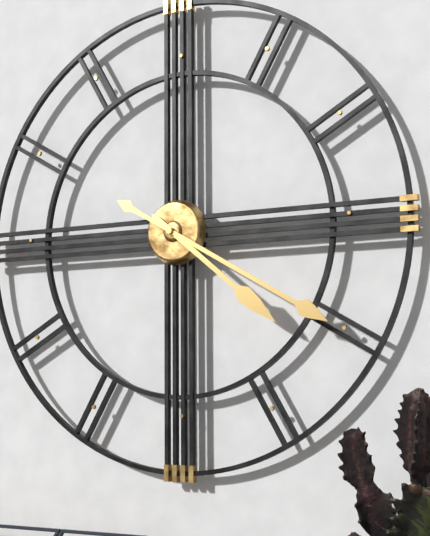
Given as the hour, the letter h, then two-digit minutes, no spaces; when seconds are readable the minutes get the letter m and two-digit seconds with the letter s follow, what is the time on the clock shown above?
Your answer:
4h20
